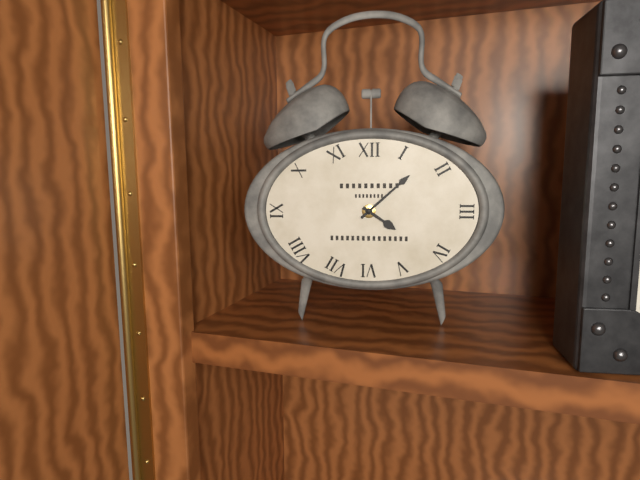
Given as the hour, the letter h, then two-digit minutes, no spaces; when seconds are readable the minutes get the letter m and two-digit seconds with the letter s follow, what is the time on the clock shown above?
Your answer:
4h08
